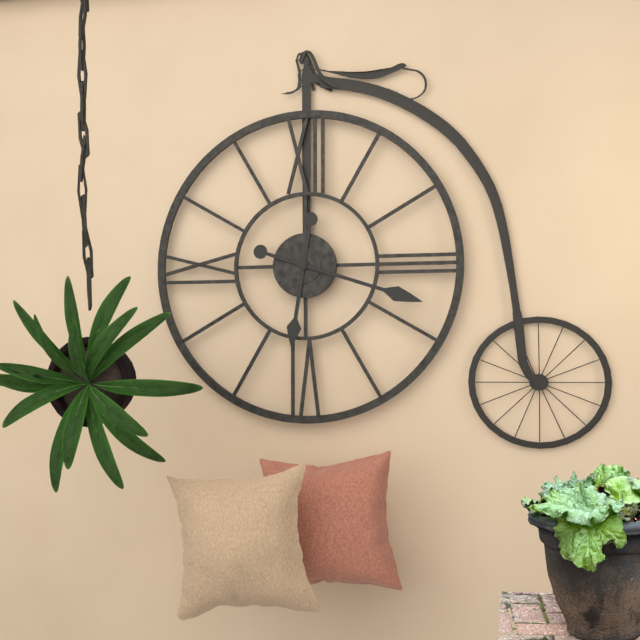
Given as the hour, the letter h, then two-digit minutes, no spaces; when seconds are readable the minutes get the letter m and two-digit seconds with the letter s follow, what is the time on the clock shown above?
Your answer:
6h18
